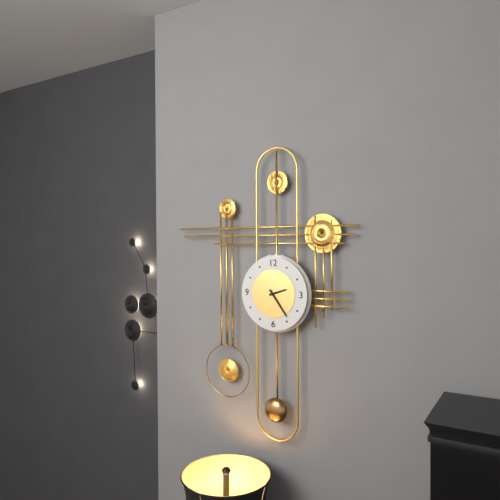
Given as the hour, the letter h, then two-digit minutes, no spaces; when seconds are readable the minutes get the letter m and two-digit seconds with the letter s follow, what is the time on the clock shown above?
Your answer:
2h24
